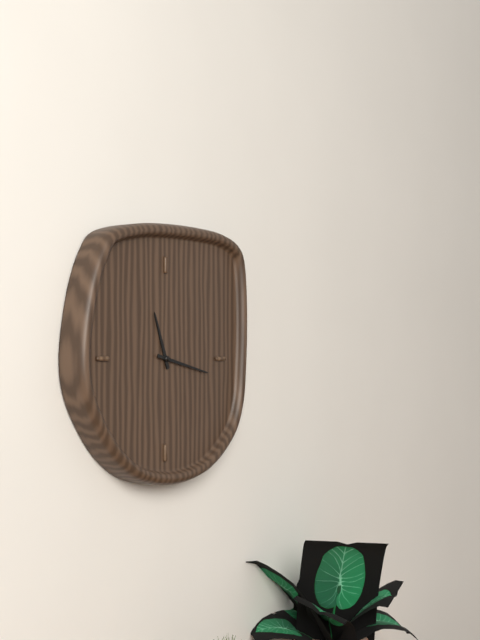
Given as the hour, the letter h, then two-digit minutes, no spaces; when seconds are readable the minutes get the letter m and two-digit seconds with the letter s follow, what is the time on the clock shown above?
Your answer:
11h17
